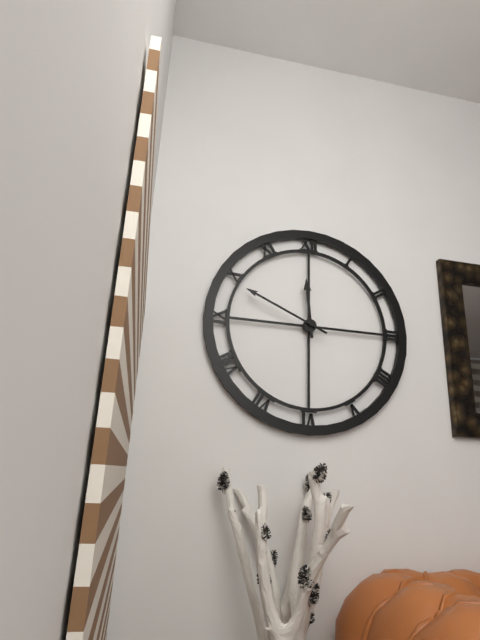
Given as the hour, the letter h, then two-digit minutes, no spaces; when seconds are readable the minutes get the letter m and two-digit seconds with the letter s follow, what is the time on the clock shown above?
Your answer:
11h49
